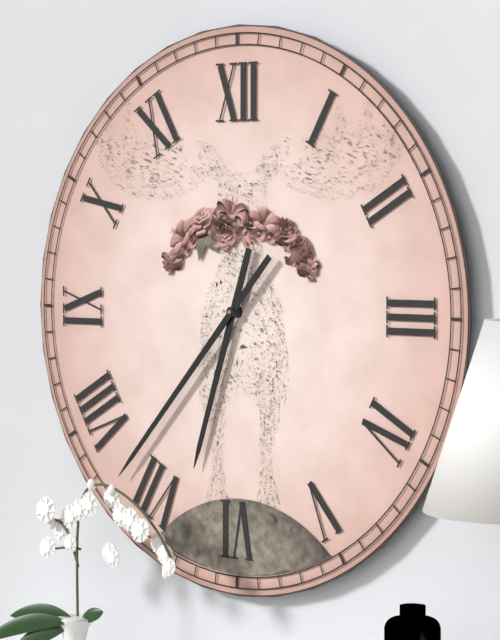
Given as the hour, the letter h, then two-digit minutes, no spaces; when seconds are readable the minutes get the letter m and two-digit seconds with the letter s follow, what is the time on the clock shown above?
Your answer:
6h37
